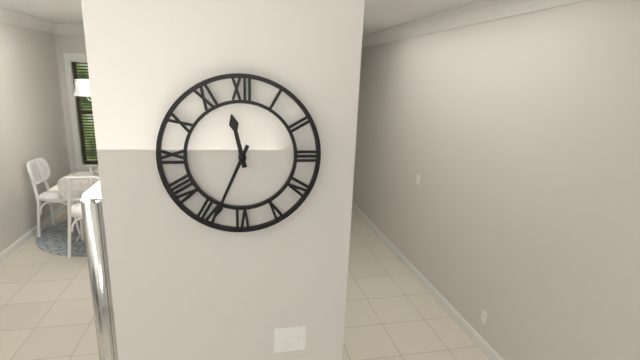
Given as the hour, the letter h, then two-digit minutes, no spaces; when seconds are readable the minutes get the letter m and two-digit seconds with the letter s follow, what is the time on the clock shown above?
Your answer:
11h34
